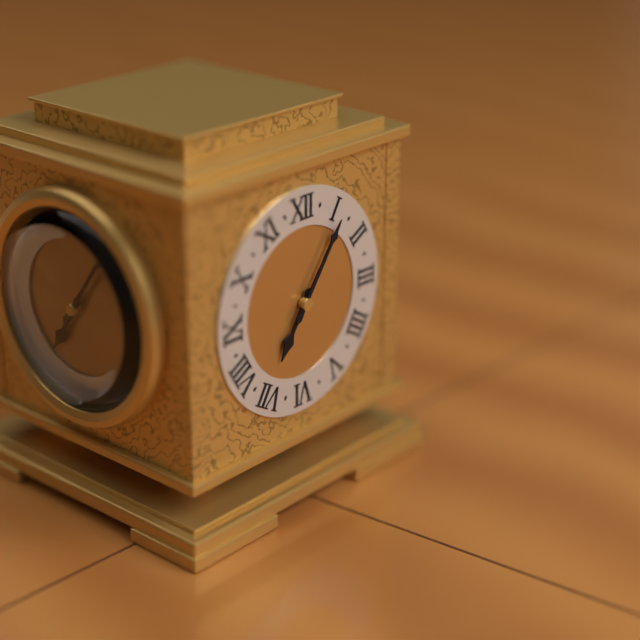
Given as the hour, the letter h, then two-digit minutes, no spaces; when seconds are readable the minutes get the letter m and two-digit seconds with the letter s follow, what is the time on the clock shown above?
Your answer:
7h06
